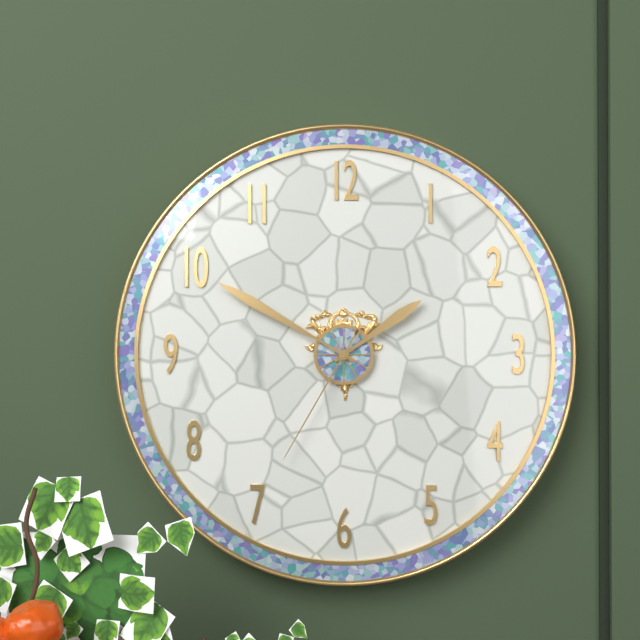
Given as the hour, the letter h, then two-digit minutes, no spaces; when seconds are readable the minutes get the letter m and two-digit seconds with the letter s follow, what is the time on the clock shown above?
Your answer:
1h50m35s
